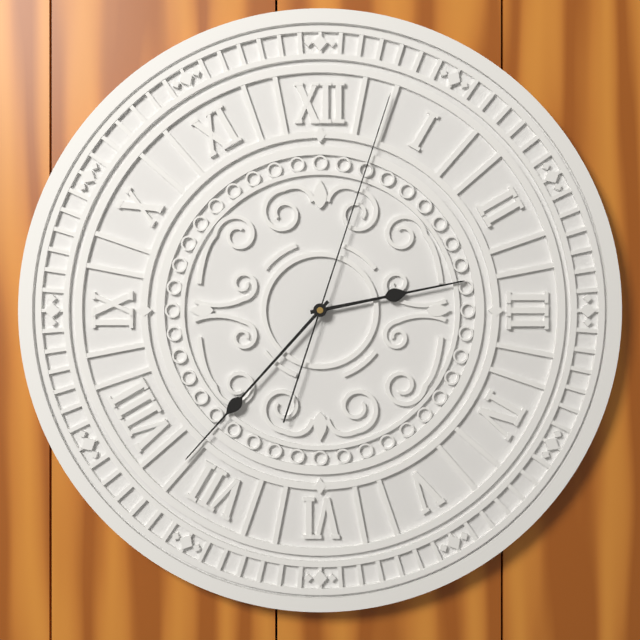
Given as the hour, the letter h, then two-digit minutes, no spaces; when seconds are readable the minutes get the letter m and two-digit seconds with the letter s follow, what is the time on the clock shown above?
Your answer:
2h37m03s
